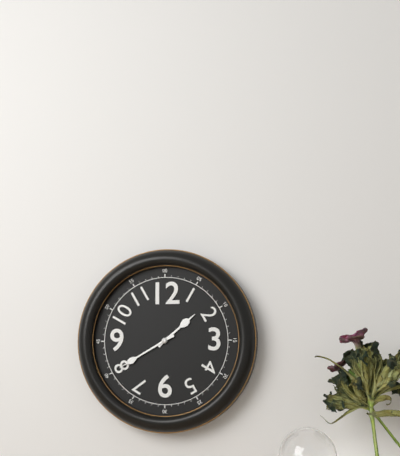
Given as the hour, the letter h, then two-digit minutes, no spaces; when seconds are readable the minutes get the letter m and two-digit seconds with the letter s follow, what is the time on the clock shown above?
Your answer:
1h40
